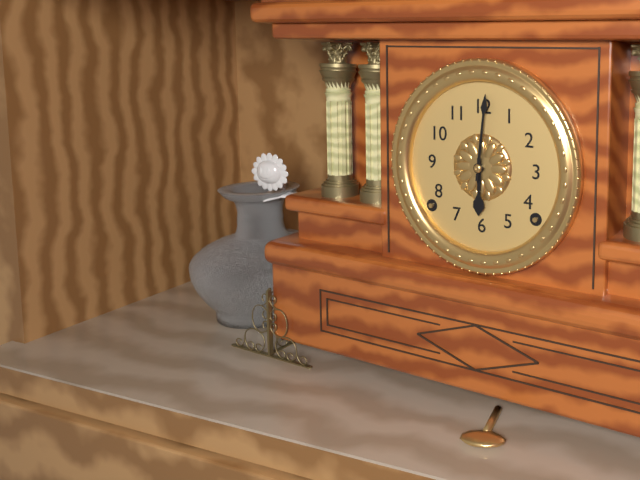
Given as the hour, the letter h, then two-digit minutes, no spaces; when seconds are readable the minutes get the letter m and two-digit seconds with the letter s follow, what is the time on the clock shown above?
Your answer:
6h01
